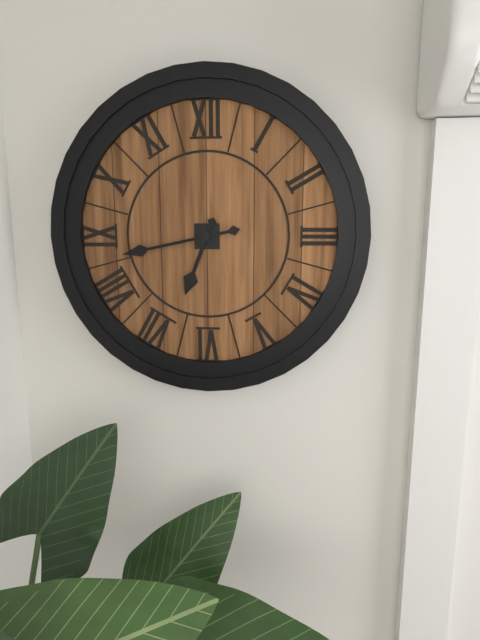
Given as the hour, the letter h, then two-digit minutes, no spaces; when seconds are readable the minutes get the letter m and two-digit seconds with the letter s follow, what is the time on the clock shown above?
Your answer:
6h43
